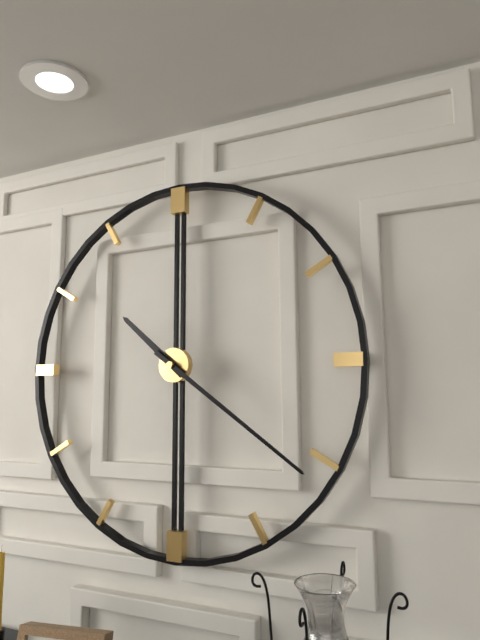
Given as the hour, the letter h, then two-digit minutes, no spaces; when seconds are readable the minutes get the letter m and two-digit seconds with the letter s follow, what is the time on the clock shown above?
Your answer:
10h21
